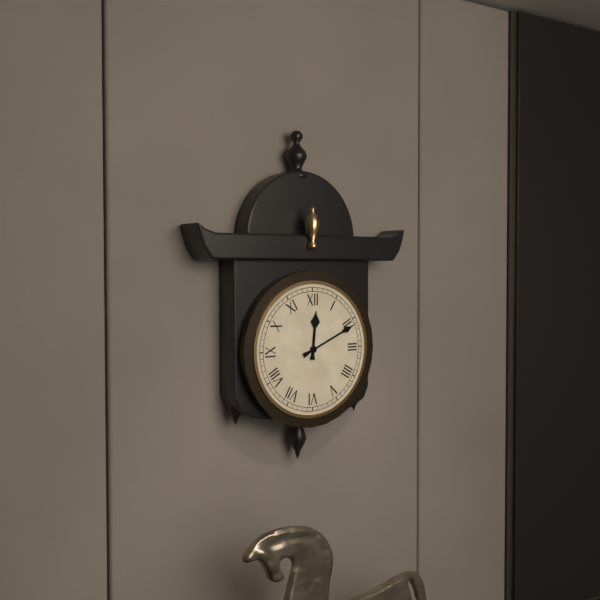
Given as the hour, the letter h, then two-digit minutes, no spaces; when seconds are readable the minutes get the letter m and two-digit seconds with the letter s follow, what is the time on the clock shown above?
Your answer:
12h11
